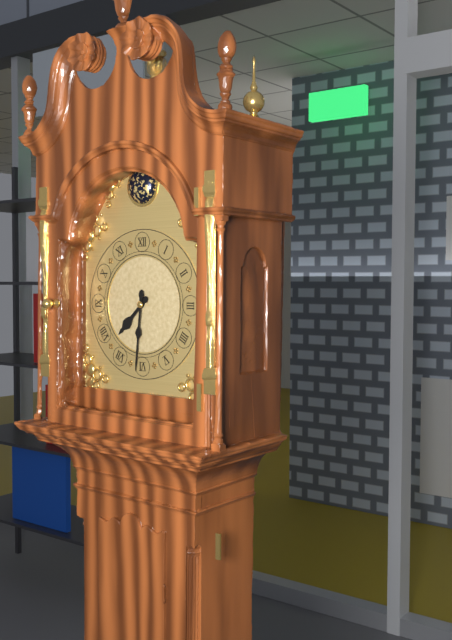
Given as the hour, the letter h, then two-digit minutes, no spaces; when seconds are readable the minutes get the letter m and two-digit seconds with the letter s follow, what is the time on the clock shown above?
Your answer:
7h31
